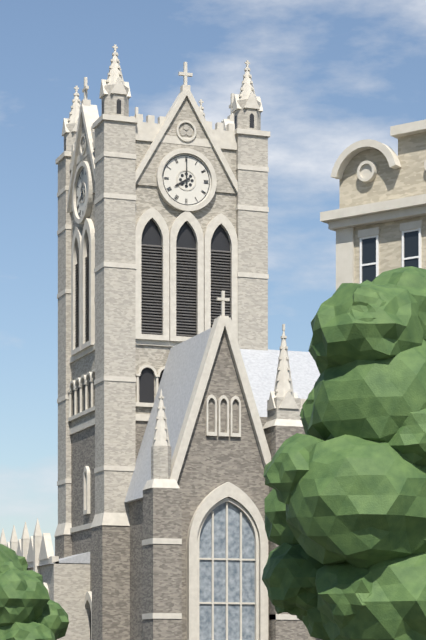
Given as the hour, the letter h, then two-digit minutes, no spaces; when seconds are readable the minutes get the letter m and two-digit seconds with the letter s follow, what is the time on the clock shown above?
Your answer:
8h00
